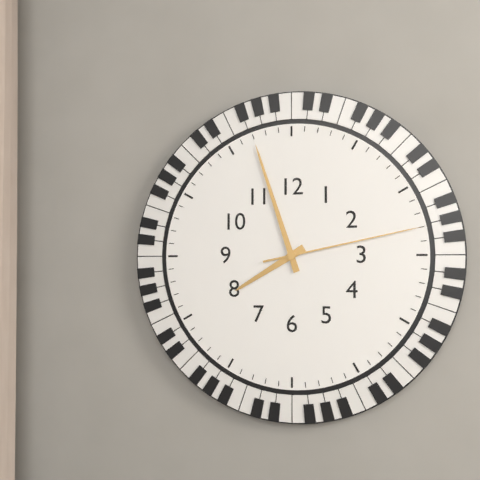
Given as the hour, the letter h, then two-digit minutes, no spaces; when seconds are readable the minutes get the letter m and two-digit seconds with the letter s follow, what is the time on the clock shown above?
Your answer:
7h57m13s
